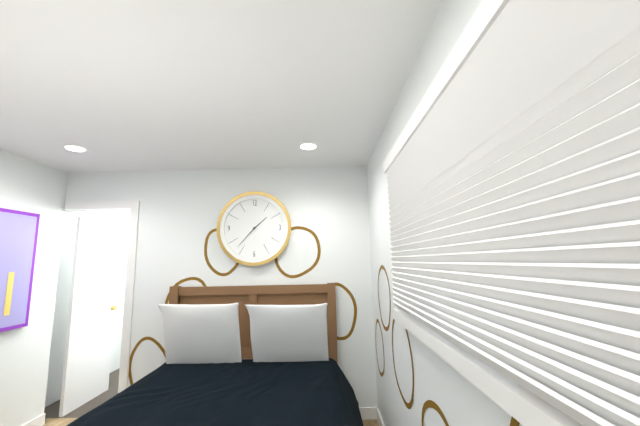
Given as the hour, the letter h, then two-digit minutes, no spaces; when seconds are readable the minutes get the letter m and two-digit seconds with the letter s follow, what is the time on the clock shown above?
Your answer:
1h37
